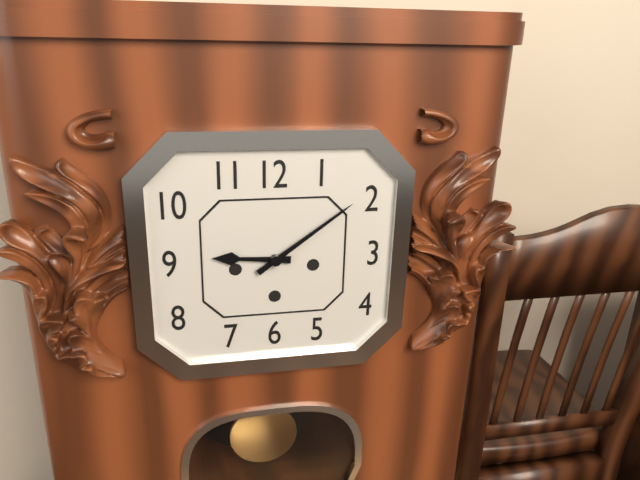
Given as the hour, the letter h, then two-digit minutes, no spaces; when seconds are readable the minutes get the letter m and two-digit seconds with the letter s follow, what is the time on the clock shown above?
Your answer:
9h09
